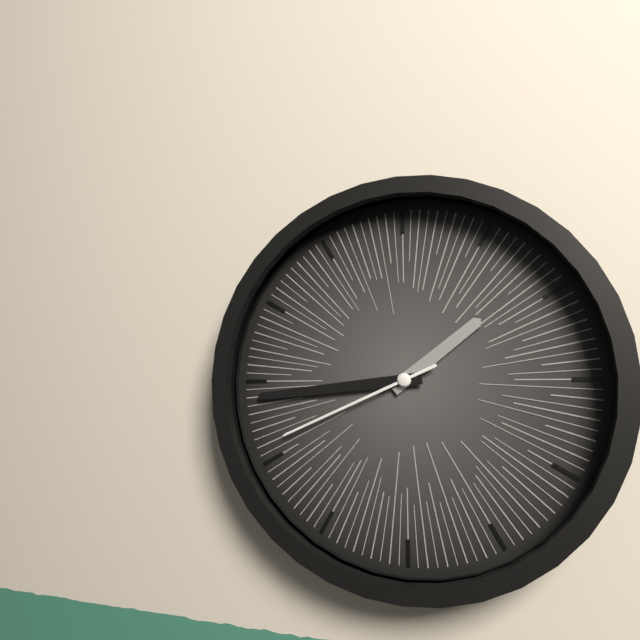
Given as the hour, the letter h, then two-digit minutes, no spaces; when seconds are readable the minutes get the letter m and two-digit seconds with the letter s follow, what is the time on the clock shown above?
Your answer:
1h44m41s
